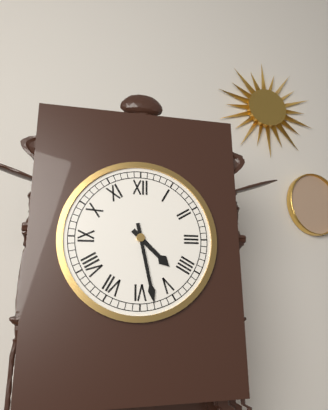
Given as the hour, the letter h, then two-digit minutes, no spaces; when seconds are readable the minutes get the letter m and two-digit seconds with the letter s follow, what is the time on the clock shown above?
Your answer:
4h28
